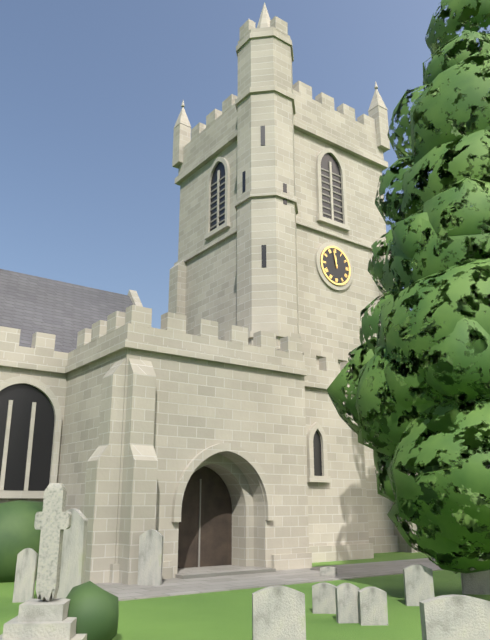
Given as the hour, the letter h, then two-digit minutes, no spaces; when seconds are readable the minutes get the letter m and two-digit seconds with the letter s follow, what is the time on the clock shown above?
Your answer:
11h58
